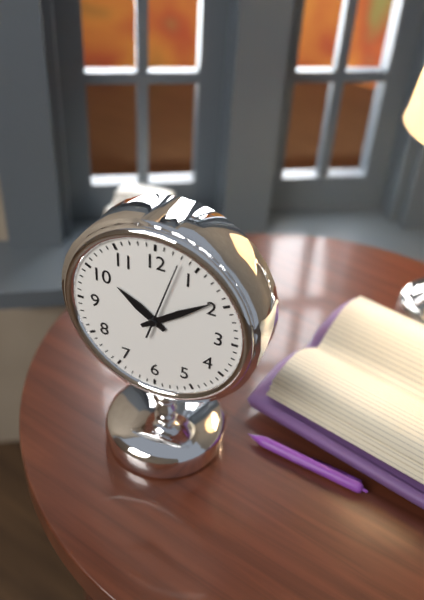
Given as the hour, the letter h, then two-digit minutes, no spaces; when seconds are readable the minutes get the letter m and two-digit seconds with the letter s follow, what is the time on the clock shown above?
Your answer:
10h09m03s
